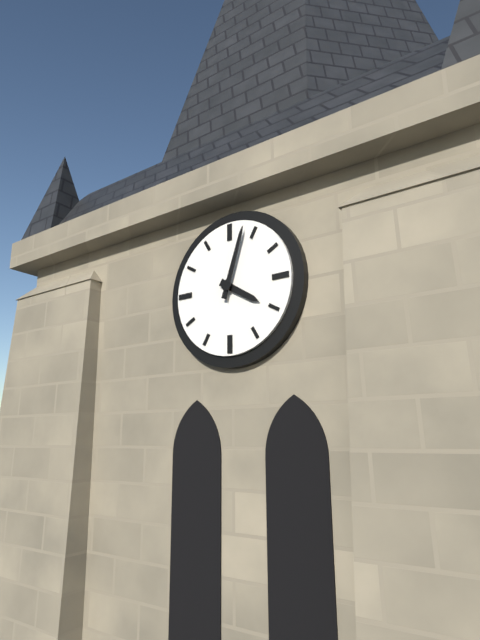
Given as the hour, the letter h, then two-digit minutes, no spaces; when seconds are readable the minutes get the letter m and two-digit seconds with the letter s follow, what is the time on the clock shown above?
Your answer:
4h03
